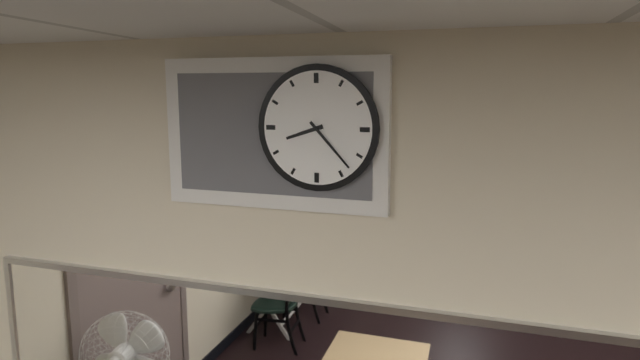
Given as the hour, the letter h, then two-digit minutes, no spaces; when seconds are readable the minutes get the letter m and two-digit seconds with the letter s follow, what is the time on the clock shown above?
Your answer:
8h23
